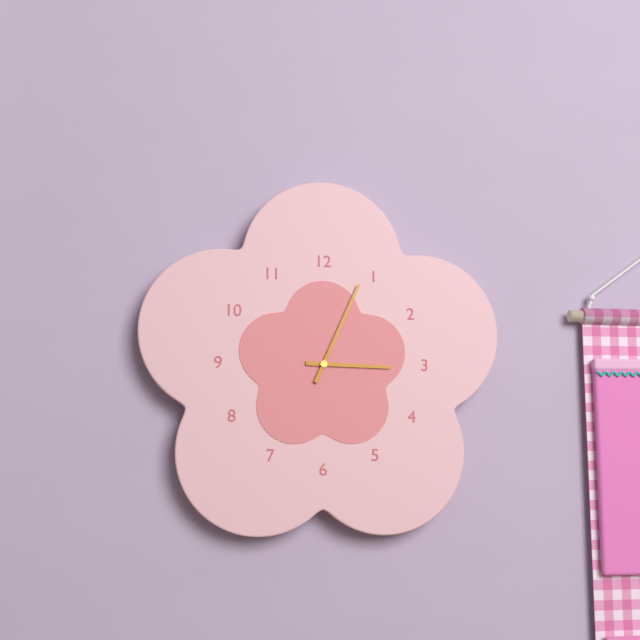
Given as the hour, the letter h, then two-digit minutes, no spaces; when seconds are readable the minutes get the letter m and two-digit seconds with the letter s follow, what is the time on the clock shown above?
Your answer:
3h04
